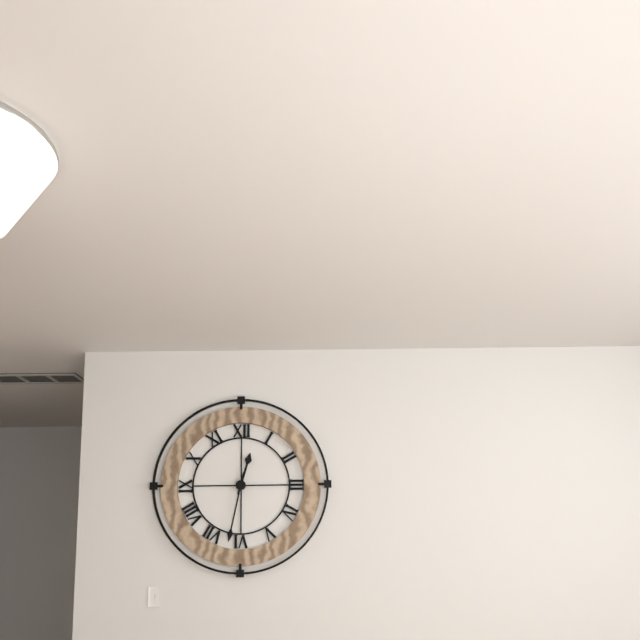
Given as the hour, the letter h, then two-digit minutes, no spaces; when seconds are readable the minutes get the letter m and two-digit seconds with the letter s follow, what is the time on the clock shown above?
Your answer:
12h32
